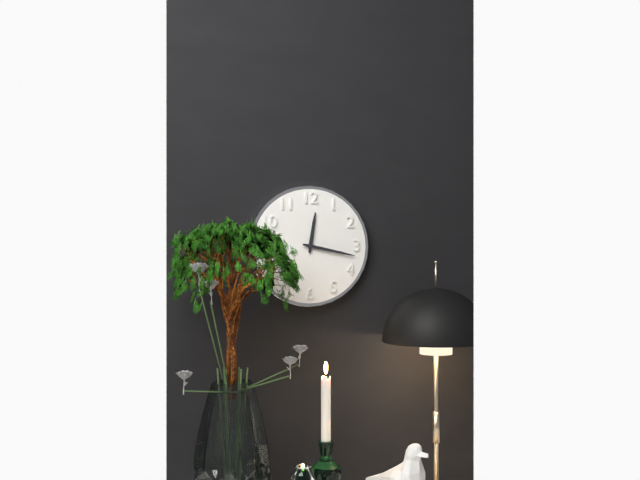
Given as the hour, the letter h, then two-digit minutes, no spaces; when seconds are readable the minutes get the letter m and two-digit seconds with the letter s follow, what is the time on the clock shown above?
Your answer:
12h17
